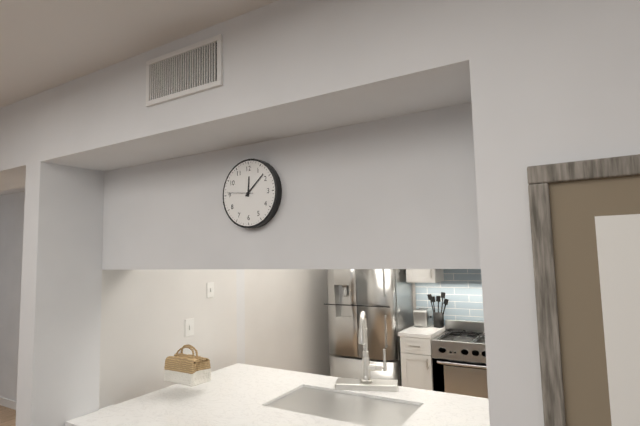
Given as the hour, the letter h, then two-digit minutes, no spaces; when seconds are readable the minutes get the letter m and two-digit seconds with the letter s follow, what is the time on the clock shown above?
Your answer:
12h08
